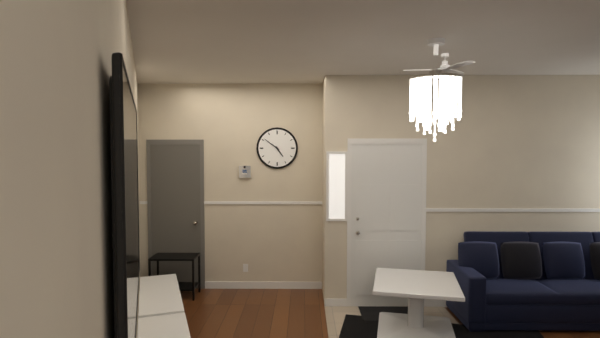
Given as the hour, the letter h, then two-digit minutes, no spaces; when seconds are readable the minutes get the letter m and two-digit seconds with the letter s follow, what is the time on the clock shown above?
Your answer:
4h51
